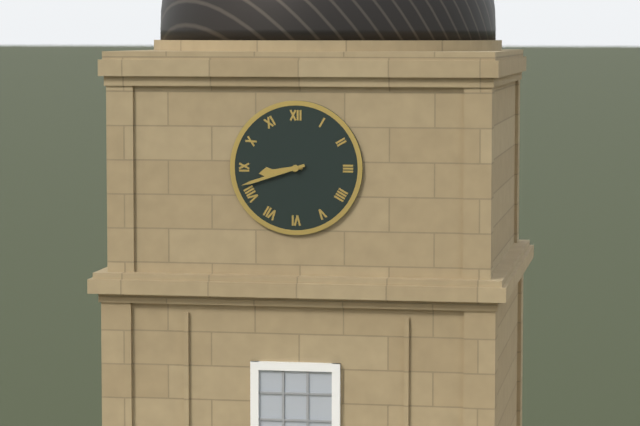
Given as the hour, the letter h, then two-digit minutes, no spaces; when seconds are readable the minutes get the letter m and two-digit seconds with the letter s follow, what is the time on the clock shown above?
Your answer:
8h42
